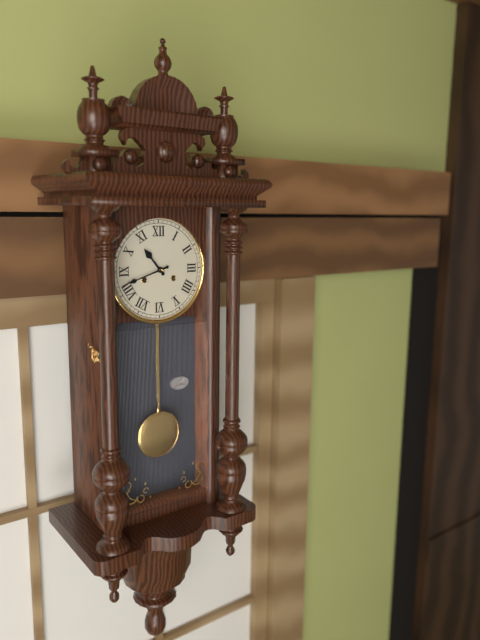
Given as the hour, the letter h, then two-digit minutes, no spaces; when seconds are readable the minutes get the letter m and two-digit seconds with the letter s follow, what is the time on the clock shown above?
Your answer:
10h42
